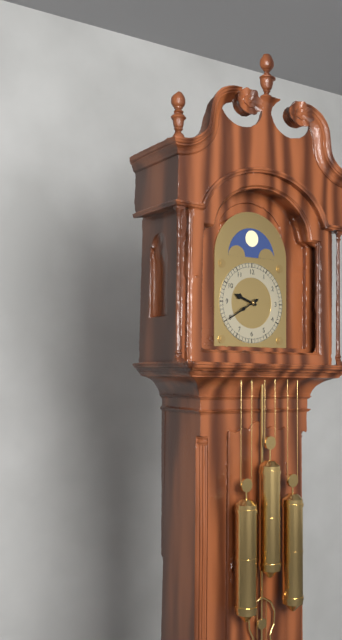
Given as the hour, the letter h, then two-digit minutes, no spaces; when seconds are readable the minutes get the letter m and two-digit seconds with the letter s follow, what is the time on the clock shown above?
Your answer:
9h40
